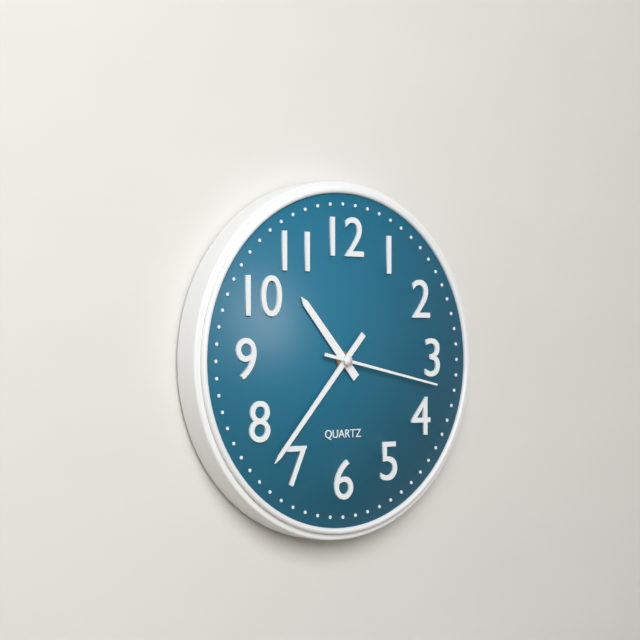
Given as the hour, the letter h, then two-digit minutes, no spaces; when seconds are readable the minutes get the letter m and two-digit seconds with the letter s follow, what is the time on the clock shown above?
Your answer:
10h37m17s
